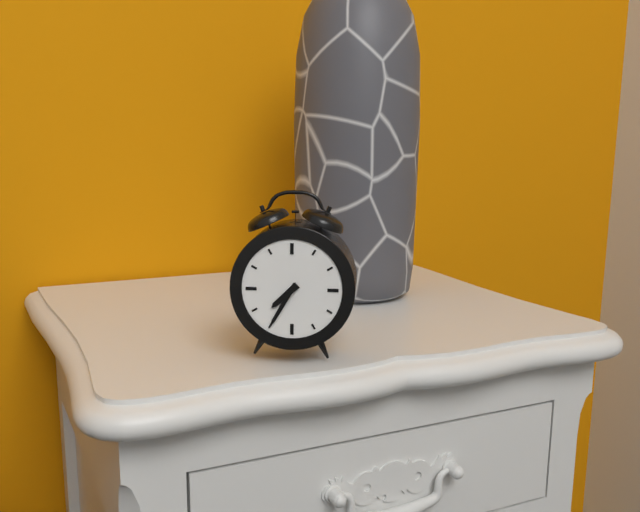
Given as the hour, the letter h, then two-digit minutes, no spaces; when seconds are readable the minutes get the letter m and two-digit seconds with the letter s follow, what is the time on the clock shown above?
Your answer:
7h35
